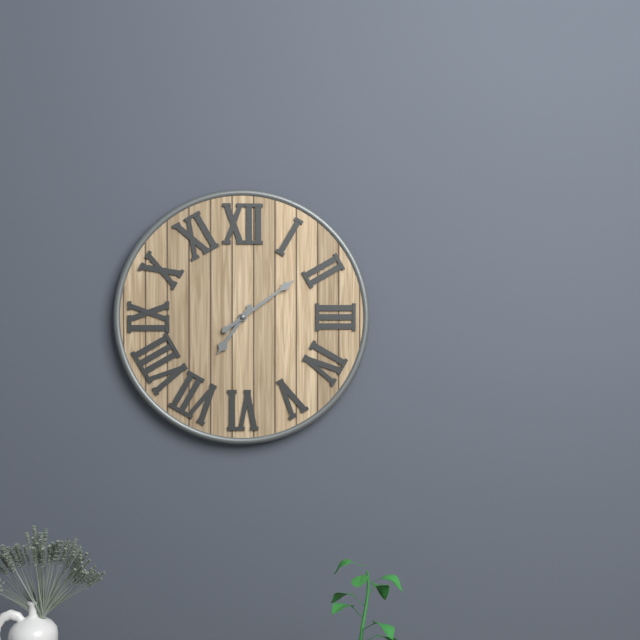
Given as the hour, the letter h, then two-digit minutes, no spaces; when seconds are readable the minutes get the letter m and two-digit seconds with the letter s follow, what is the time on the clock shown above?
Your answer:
7h09
